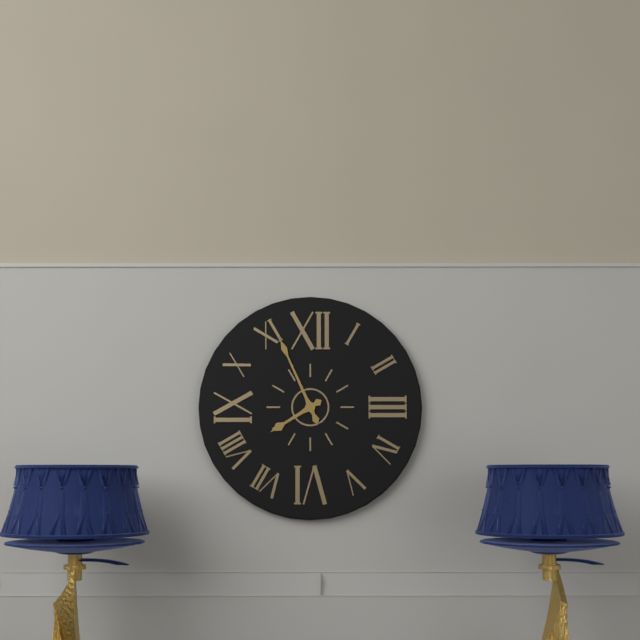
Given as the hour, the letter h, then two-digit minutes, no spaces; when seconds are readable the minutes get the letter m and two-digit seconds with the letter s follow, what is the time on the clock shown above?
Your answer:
7h56
